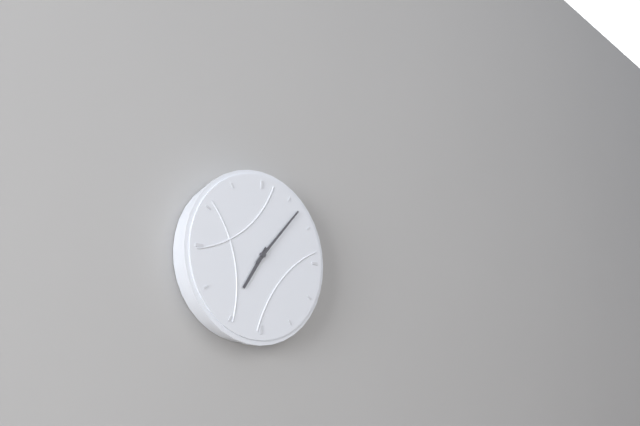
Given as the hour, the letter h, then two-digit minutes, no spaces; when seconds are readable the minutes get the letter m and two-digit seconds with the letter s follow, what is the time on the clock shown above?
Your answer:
7h07
